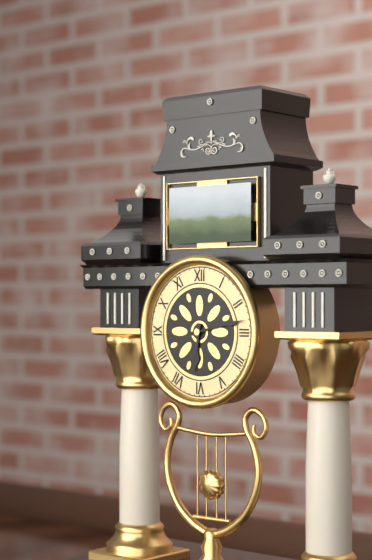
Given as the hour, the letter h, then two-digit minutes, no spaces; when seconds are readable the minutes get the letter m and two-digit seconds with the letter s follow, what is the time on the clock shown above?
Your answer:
6h13
